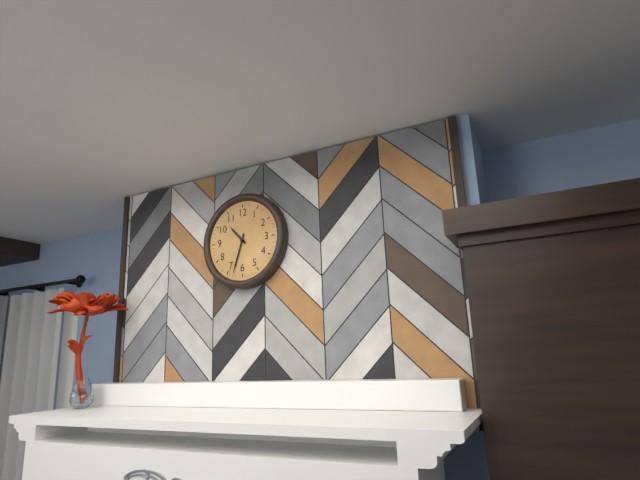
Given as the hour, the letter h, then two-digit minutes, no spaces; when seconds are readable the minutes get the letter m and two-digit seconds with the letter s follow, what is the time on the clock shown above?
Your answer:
10h33
